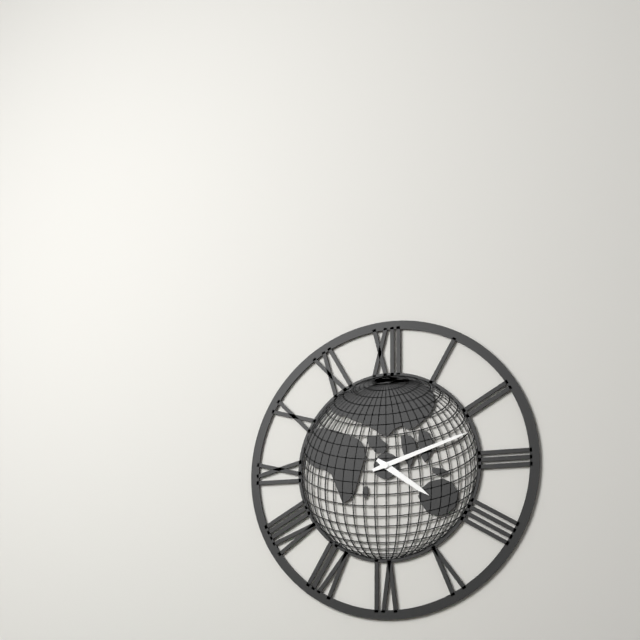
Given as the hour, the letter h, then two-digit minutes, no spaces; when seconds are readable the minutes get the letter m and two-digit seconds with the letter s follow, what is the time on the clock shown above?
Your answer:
4h12
